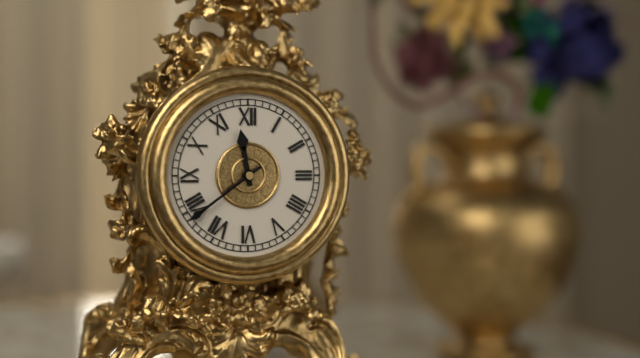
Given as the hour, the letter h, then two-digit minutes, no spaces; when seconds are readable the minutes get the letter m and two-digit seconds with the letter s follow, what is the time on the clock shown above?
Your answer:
11h39
